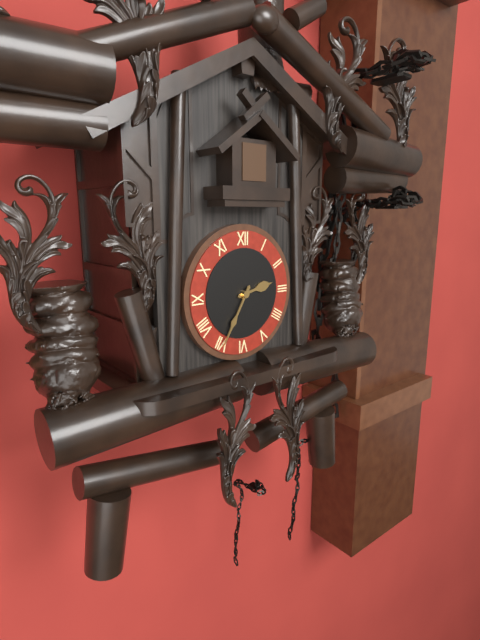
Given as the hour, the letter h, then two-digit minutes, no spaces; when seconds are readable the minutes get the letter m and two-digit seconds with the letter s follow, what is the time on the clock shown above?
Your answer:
2h35
